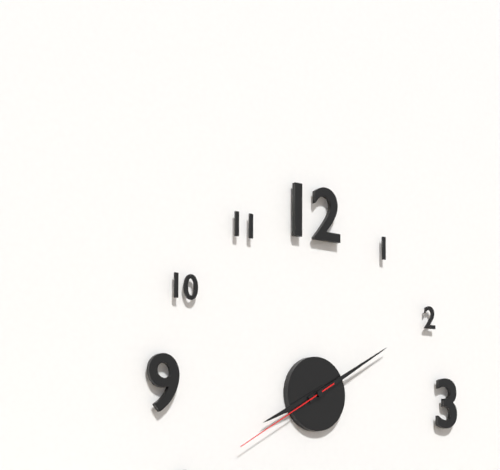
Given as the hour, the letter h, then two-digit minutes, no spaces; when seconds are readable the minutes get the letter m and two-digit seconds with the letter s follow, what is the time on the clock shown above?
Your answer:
8h10m40s
